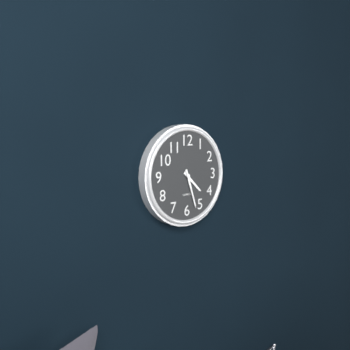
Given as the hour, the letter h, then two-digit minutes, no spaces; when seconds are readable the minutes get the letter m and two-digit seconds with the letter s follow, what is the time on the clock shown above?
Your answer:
4h27
